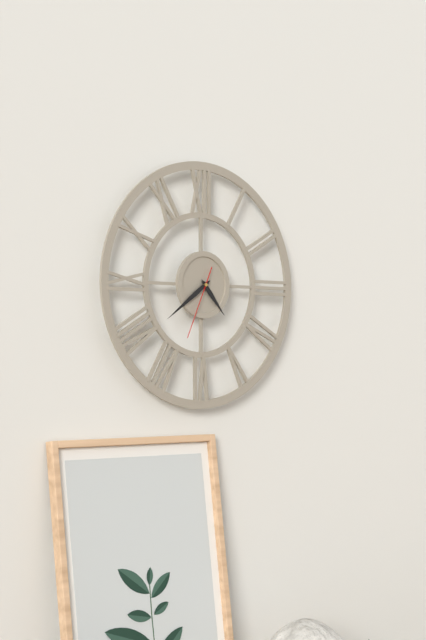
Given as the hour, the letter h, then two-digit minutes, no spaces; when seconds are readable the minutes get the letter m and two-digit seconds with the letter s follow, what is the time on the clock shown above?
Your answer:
4h39m34s
